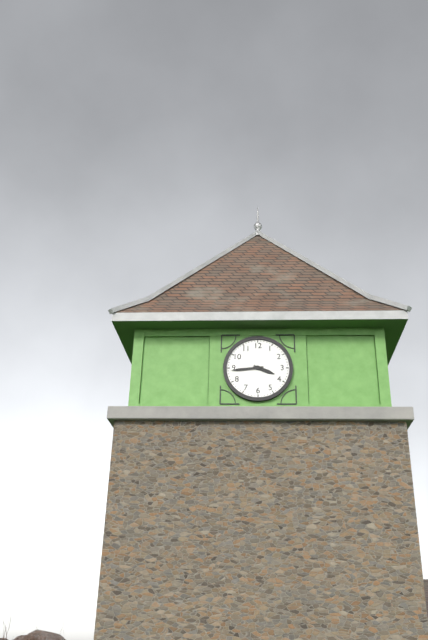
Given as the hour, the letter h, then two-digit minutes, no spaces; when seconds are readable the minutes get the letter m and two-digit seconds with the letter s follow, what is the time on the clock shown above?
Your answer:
3h44
